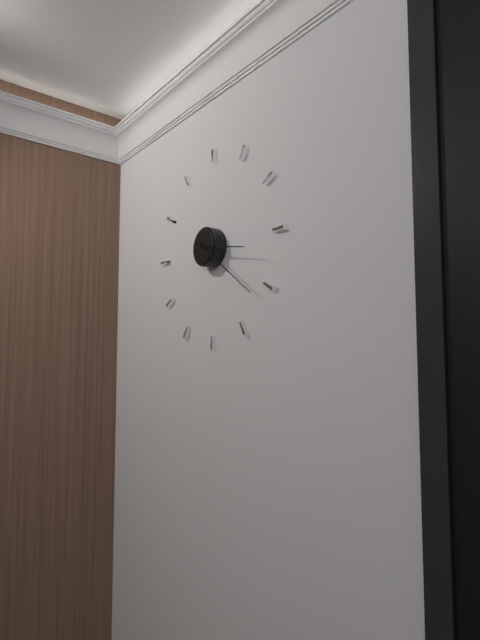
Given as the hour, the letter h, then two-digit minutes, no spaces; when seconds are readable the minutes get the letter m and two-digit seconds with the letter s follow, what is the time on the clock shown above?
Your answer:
3h21
